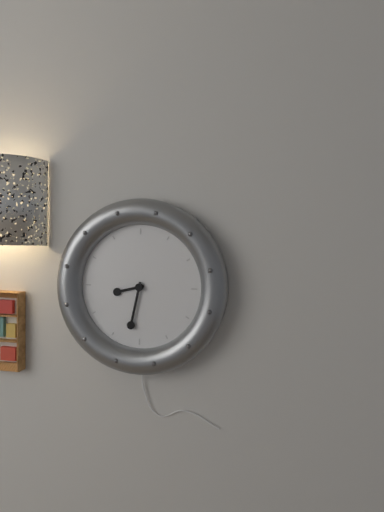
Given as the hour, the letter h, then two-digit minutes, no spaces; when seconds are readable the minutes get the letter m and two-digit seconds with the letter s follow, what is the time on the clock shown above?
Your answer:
8h32
